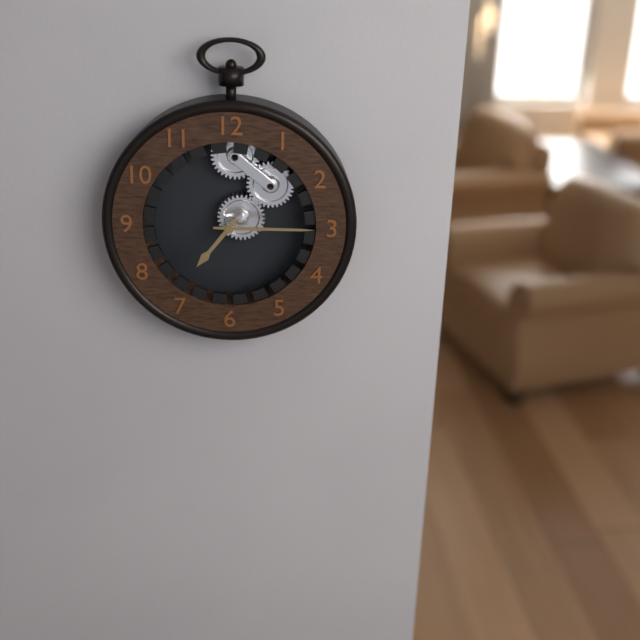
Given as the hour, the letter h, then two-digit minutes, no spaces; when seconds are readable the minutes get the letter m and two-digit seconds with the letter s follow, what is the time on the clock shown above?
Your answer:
7h15
